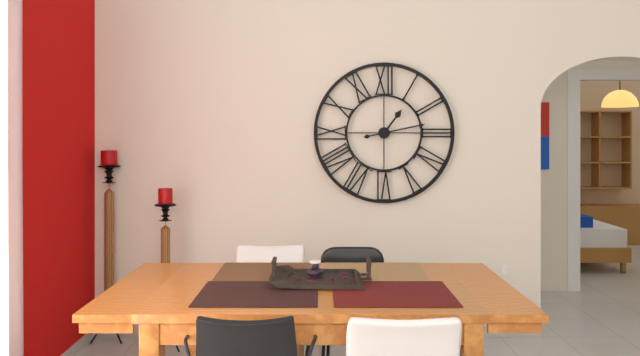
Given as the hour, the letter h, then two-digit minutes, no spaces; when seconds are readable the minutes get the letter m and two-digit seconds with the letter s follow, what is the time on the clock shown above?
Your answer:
1h13
